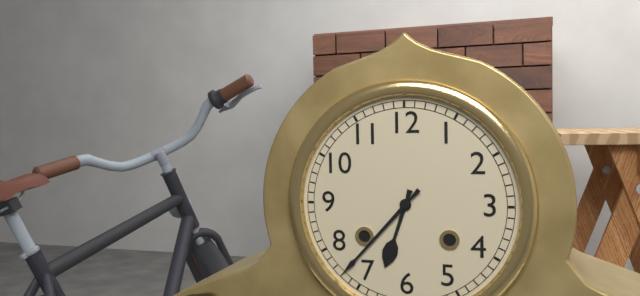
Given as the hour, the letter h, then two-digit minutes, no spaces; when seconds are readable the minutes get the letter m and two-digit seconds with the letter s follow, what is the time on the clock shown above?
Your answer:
6h37
